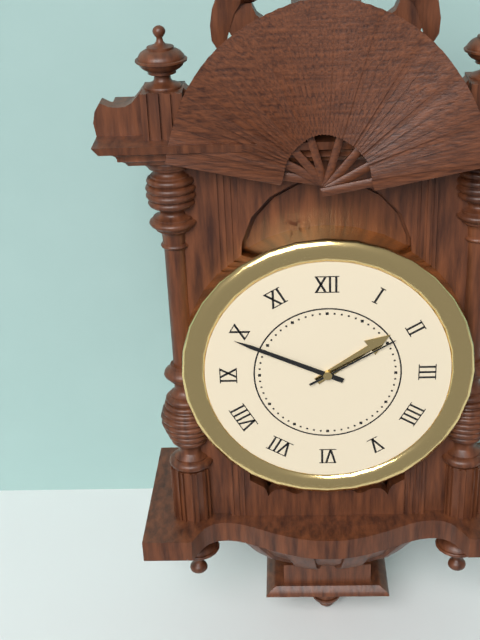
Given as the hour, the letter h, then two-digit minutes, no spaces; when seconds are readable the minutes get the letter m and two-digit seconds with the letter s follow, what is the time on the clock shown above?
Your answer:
1h49m10s
